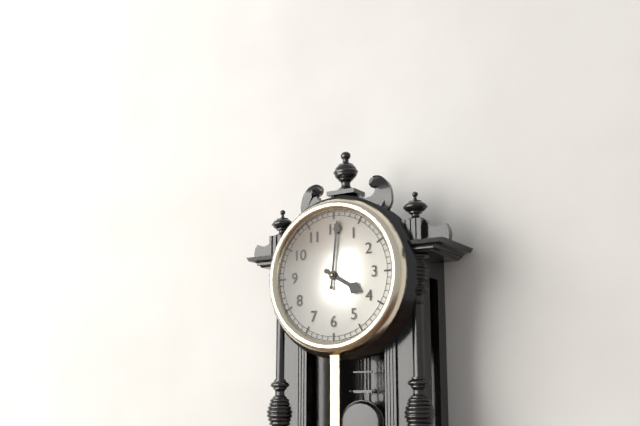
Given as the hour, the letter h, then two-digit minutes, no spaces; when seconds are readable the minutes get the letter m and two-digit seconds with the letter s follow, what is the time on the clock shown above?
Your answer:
4h01
